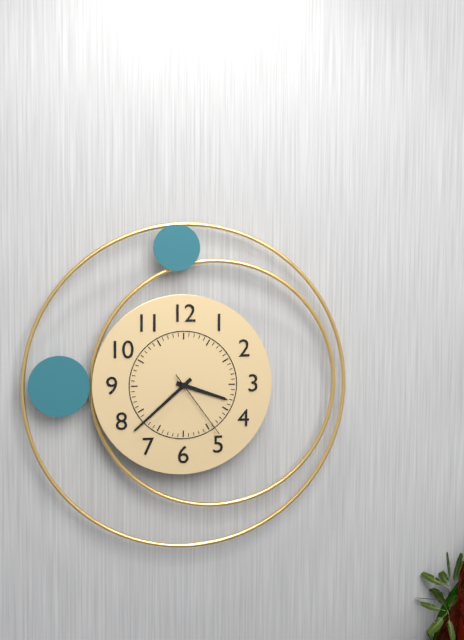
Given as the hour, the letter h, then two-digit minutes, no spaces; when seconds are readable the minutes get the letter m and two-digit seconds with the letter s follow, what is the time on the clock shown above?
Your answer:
3h38m24s
